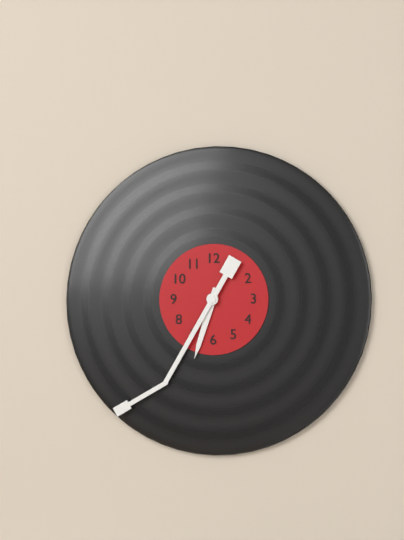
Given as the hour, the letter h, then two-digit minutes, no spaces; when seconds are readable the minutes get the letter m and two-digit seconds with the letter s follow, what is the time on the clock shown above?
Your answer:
6h35
